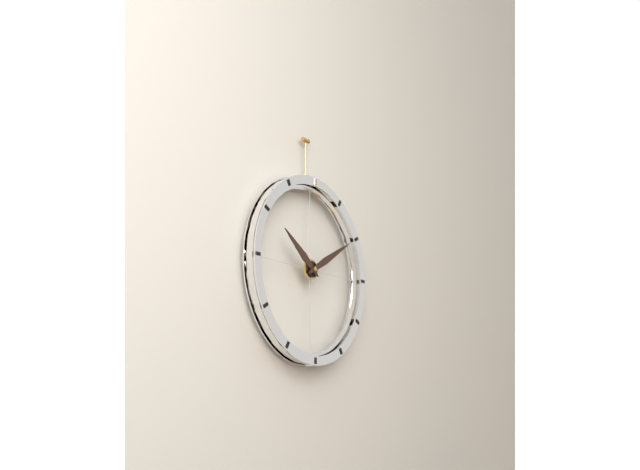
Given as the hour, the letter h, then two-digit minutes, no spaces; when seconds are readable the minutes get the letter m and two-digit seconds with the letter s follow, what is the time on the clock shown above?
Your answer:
10h10
